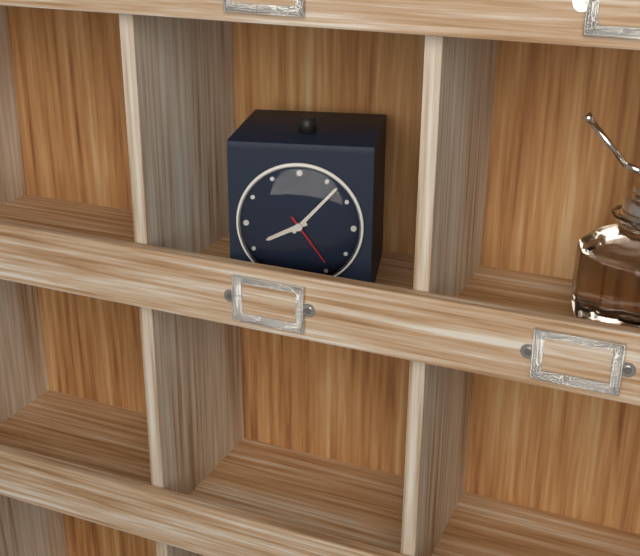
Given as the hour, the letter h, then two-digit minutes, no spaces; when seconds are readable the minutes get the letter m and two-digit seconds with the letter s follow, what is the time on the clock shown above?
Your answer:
8h07m24s
